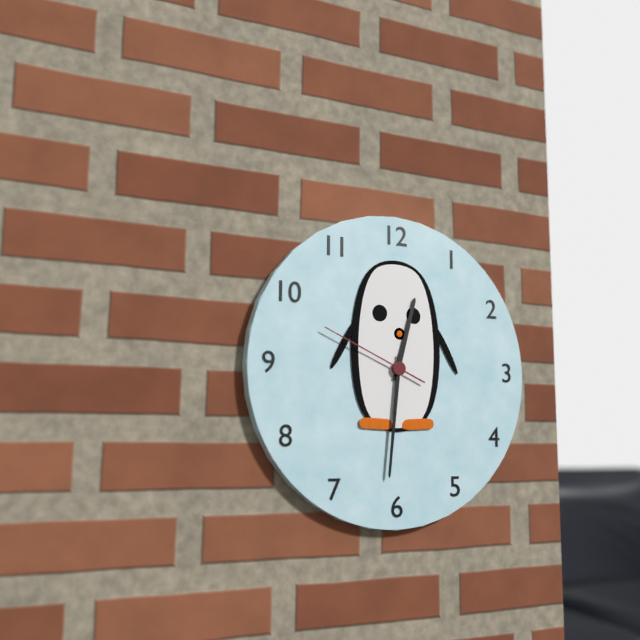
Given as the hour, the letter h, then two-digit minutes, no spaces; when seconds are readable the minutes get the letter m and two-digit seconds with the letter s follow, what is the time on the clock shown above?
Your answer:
12h31m49s
